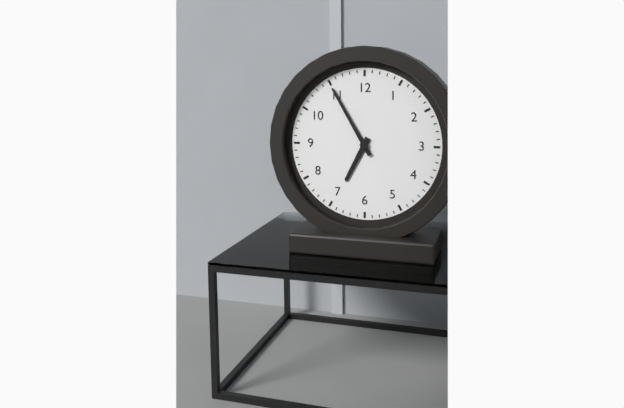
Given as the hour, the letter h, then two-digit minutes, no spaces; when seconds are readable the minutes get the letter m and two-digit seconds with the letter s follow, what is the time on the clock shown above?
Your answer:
6h55
